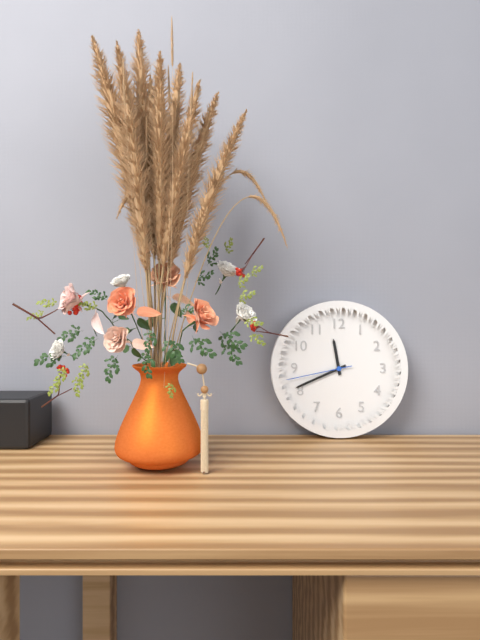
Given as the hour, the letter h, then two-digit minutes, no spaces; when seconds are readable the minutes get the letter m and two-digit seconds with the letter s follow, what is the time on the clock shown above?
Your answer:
11h41m43s
